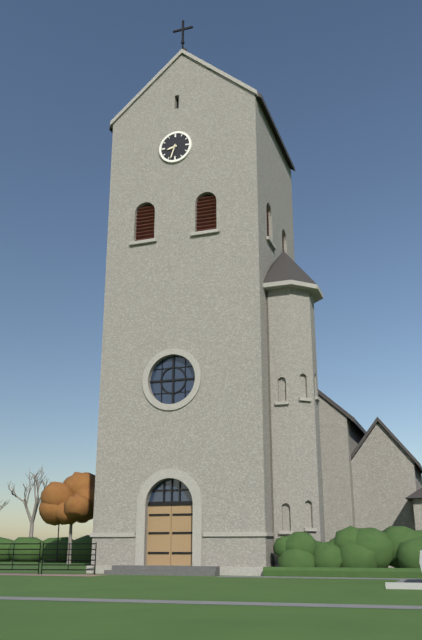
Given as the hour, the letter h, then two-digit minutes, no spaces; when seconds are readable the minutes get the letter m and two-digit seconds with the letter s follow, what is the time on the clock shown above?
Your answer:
8h33
